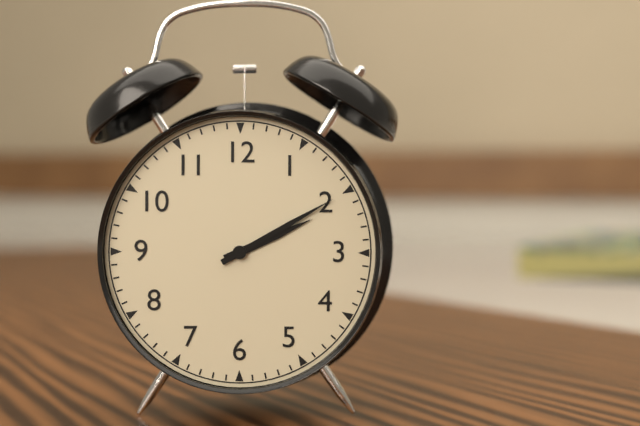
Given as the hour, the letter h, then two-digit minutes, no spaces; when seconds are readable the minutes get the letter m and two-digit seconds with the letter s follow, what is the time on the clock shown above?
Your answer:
2h10
